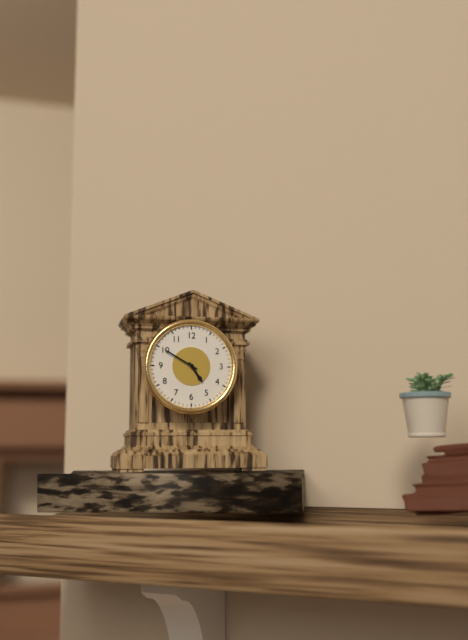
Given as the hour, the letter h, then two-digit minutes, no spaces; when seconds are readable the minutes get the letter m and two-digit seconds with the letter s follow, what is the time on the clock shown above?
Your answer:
4h50
